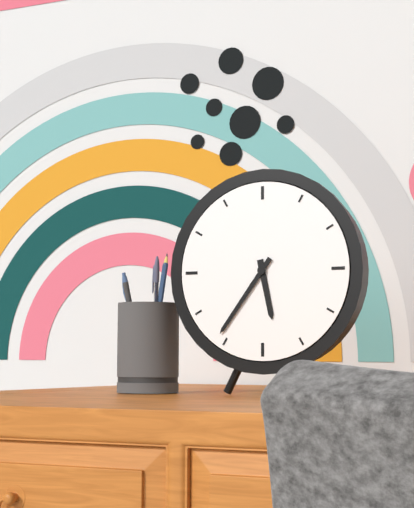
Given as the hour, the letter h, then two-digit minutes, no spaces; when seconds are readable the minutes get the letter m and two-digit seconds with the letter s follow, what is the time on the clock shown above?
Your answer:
5h36
